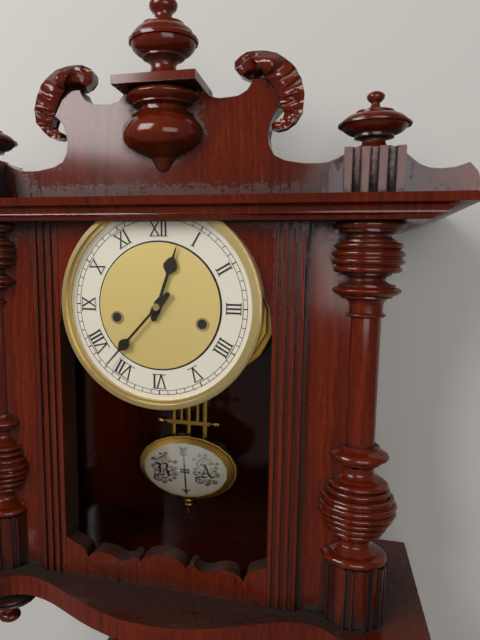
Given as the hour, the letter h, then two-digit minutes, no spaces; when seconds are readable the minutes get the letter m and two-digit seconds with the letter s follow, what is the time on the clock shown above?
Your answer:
12h37
